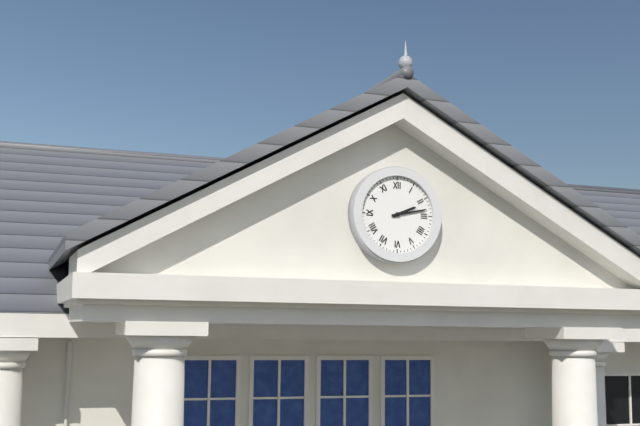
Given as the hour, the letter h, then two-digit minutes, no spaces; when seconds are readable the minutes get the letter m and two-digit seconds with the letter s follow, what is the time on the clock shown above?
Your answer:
2h13
